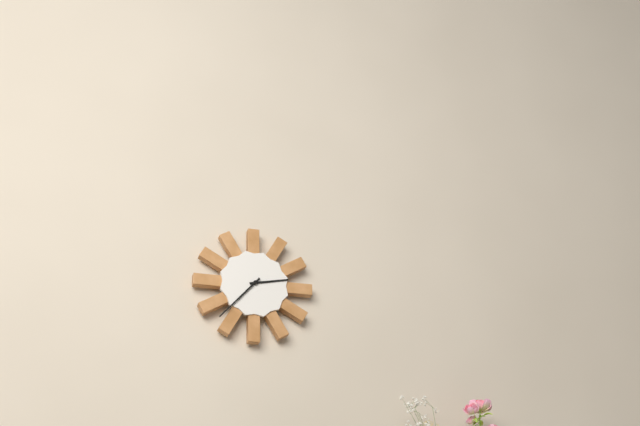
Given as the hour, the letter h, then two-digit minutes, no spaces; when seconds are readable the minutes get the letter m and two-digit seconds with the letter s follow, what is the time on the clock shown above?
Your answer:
2h37
